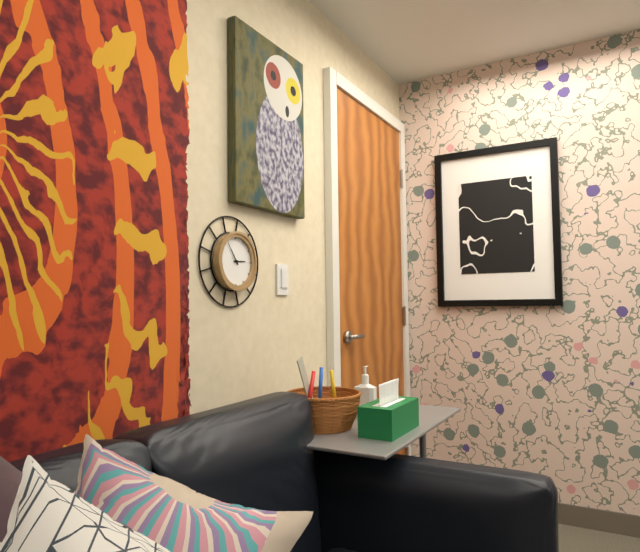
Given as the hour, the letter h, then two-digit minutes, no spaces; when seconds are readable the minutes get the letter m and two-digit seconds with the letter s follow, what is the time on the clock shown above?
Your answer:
2h54
